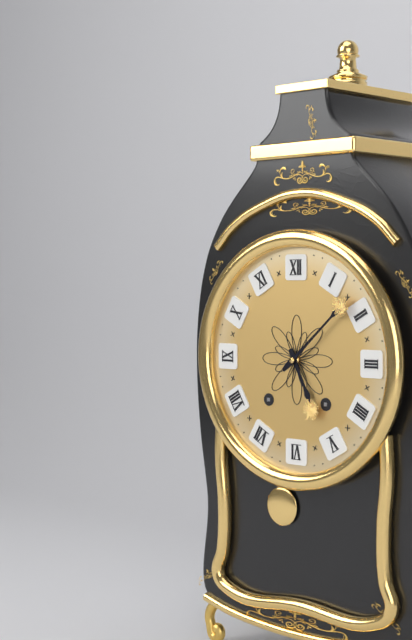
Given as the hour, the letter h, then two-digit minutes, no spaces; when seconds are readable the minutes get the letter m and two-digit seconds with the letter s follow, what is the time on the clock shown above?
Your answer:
5h08
